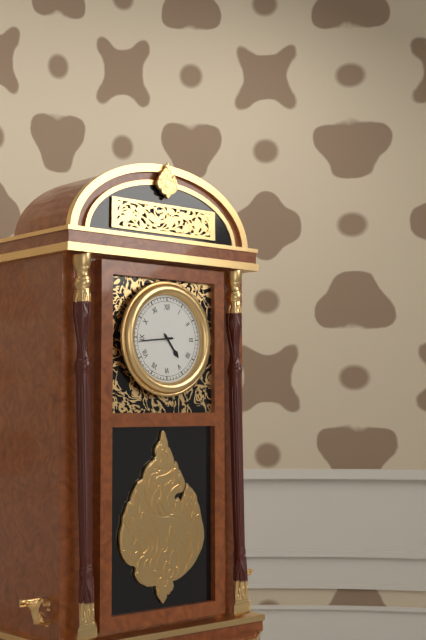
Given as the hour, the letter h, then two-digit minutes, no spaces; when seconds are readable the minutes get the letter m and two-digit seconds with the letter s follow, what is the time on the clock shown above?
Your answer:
4h44
